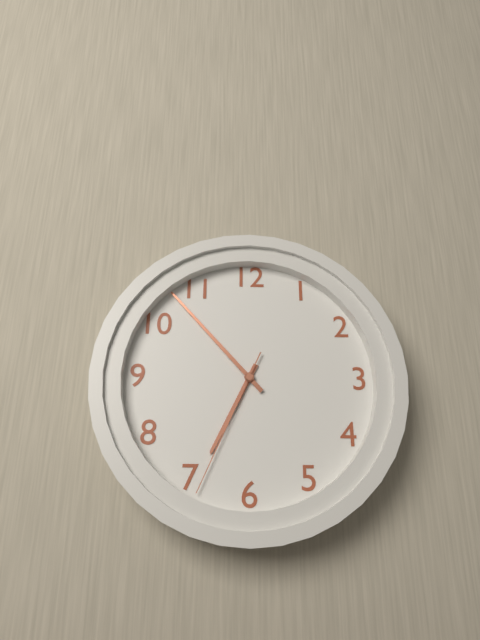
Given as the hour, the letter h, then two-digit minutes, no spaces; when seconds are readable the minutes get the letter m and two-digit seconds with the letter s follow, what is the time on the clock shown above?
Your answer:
6h53m34s
